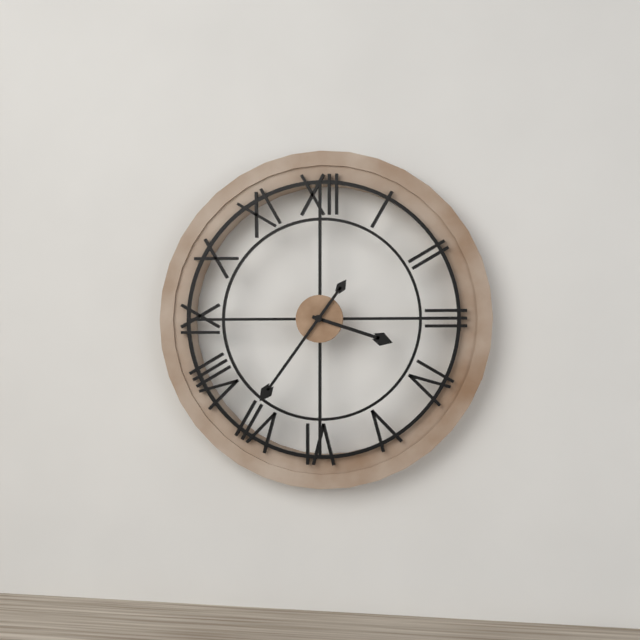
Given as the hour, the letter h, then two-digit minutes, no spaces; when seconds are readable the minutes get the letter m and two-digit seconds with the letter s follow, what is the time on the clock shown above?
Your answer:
3h36
